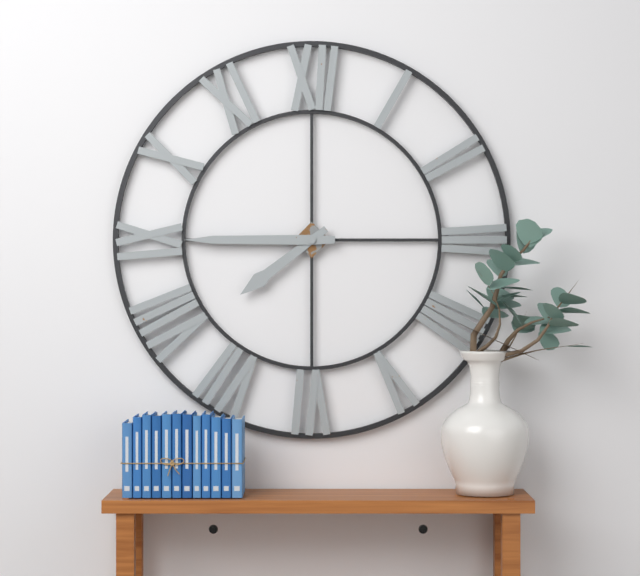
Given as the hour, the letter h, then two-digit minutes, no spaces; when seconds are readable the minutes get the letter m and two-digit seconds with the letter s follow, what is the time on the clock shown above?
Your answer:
7h45
